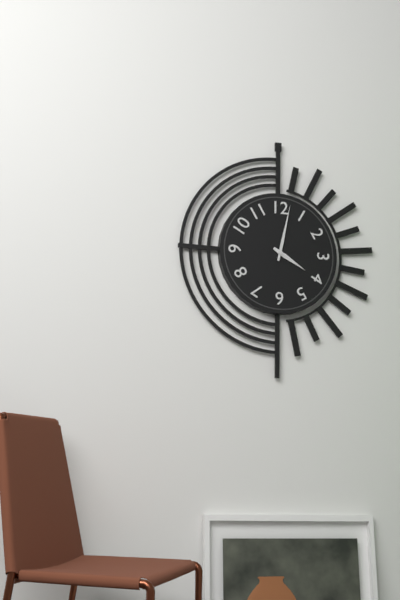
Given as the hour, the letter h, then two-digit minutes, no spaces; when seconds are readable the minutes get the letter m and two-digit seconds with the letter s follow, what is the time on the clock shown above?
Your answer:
4h02
